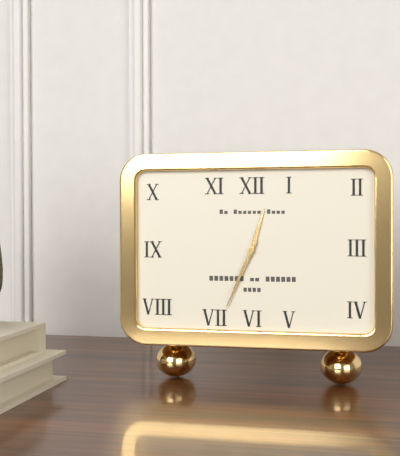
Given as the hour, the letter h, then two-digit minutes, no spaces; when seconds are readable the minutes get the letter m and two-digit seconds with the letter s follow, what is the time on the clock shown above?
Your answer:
12h34
